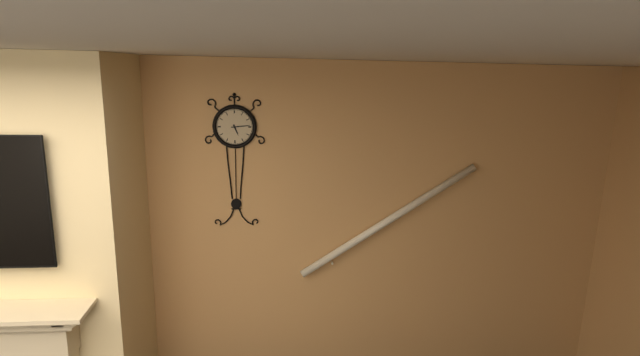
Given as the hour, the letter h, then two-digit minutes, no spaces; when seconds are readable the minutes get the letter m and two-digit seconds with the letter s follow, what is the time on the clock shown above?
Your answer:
5h14
